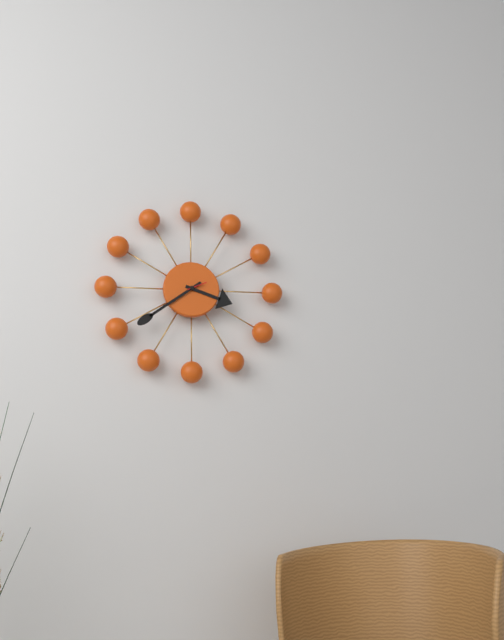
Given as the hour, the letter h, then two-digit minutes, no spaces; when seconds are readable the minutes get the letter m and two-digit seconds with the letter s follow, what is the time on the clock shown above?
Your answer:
3h39
